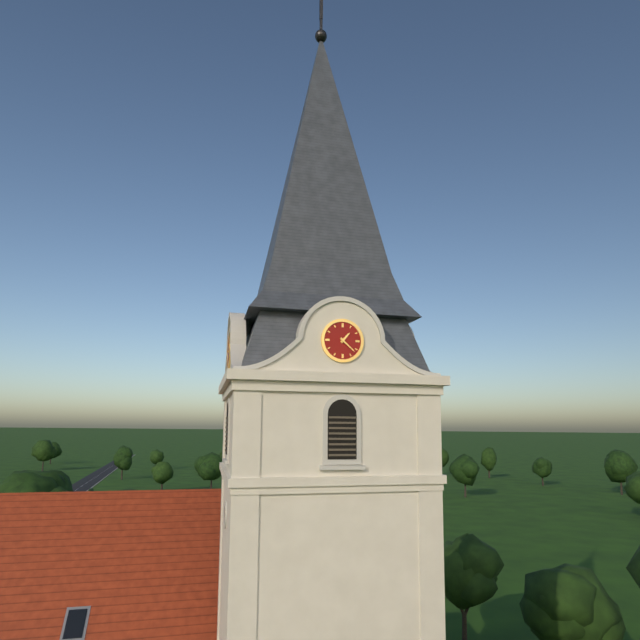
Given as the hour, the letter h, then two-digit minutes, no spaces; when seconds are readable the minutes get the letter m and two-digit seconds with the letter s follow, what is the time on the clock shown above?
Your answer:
1h22
